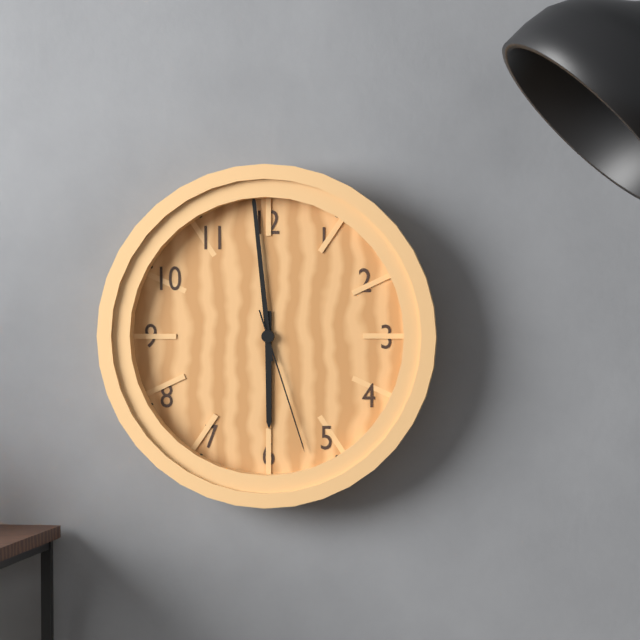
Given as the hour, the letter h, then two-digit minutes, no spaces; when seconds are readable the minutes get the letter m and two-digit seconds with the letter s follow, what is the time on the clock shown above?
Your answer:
5h59m27s
